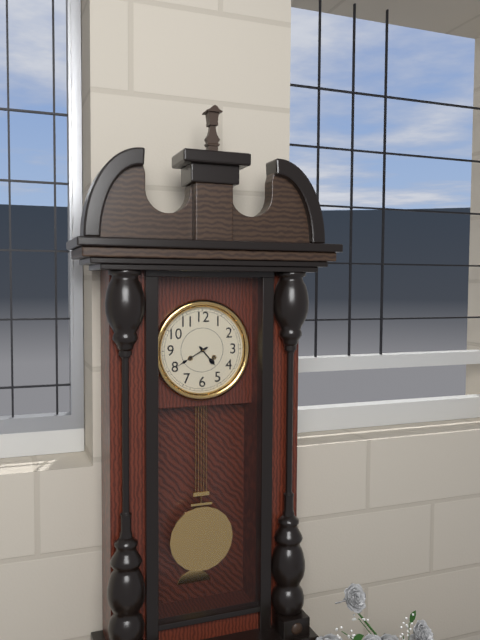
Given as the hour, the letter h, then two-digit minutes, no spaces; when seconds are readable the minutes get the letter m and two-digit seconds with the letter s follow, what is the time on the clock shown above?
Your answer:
4h40
